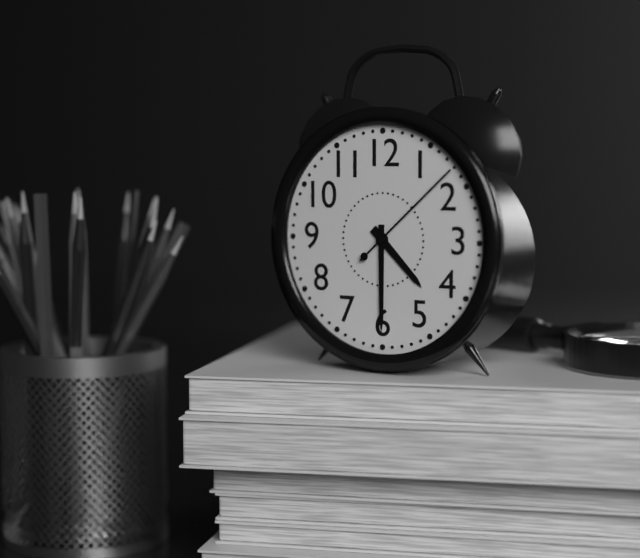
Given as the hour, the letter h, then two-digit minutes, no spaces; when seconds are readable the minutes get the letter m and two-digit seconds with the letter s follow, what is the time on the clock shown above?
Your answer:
4h30m08s
